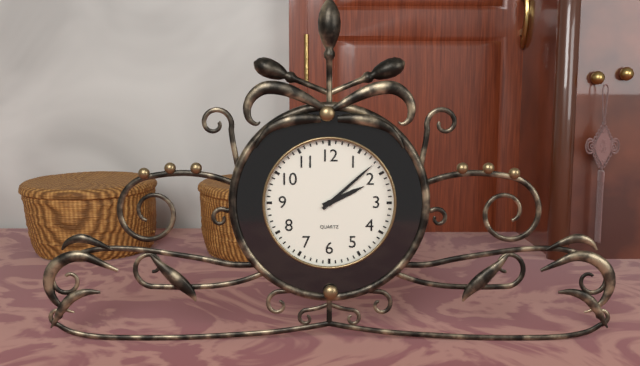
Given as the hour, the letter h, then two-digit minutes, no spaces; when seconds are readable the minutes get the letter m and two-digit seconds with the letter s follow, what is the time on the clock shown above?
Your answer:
2h08
